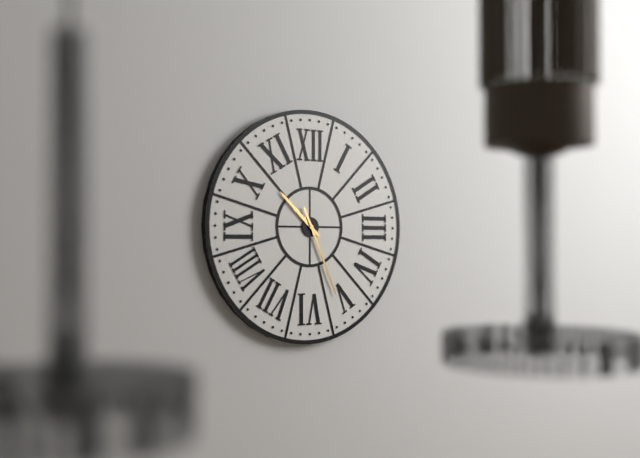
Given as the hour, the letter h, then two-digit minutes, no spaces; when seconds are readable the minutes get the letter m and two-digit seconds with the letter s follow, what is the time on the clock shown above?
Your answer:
10h26
